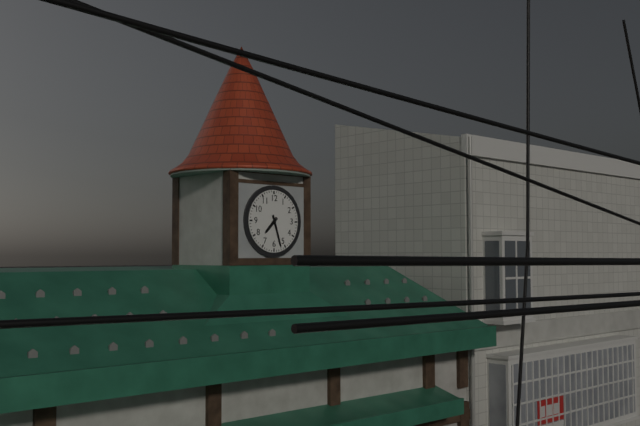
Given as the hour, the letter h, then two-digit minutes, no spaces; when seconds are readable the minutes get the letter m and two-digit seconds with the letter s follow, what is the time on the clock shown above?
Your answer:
7h27
